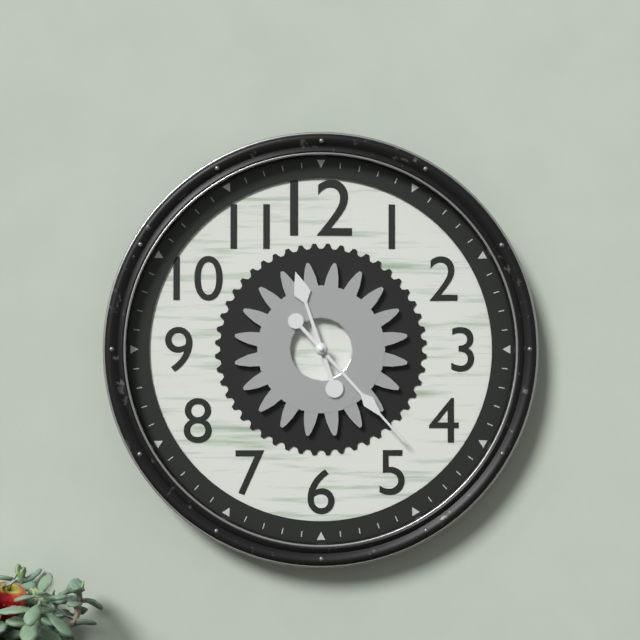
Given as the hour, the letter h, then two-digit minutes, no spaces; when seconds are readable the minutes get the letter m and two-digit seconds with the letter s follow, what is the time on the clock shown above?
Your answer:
11h23
